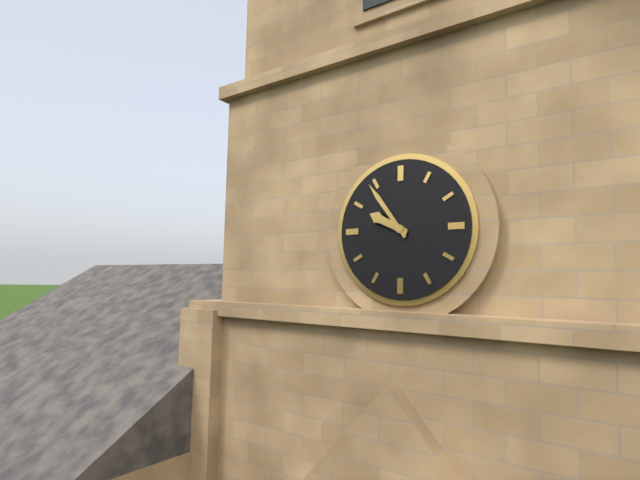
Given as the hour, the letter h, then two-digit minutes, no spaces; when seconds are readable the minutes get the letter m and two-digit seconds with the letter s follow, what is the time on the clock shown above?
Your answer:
9h54
